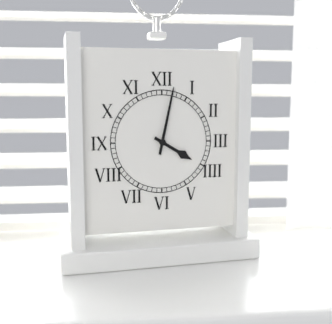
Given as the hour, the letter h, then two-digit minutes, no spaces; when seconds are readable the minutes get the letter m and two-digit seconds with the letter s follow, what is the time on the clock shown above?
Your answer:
4h02
